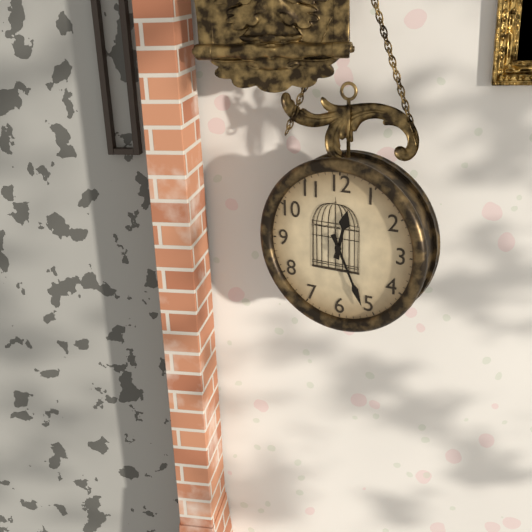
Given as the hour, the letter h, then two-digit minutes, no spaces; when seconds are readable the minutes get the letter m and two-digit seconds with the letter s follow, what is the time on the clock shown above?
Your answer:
12h26
